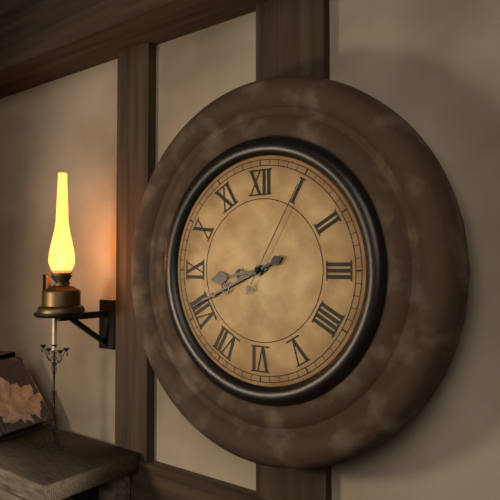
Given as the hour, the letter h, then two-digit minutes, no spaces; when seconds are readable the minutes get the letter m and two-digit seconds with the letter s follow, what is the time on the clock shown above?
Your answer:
8h41m05s
